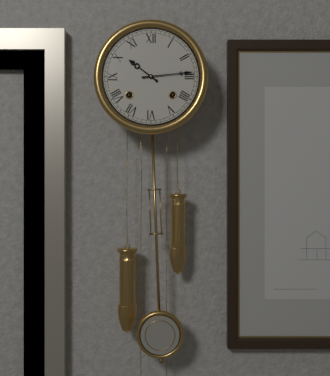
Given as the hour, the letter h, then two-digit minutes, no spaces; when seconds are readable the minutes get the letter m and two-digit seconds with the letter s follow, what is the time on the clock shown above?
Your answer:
10h14
